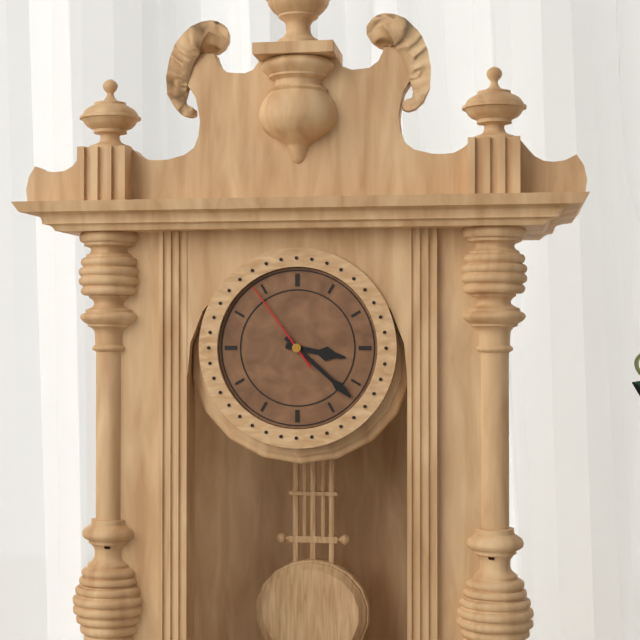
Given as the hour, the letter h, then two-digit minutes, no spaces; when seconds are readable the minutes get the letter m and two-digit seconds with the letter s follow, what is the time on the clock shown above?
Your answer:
3h22m54s
